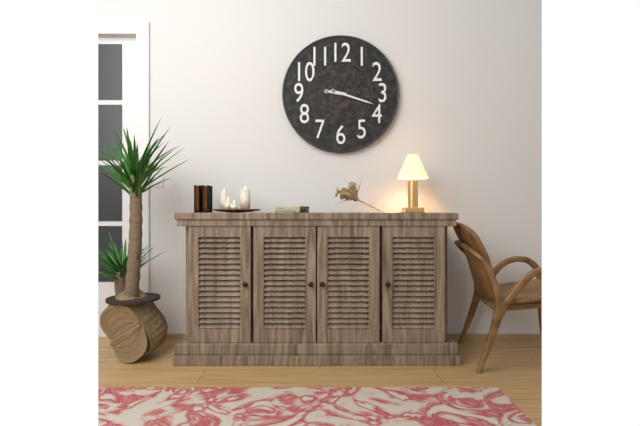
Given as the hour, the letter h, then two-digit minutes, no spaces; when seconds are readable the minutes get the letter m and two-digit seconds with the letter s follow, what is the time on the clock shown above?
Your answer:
9h18
